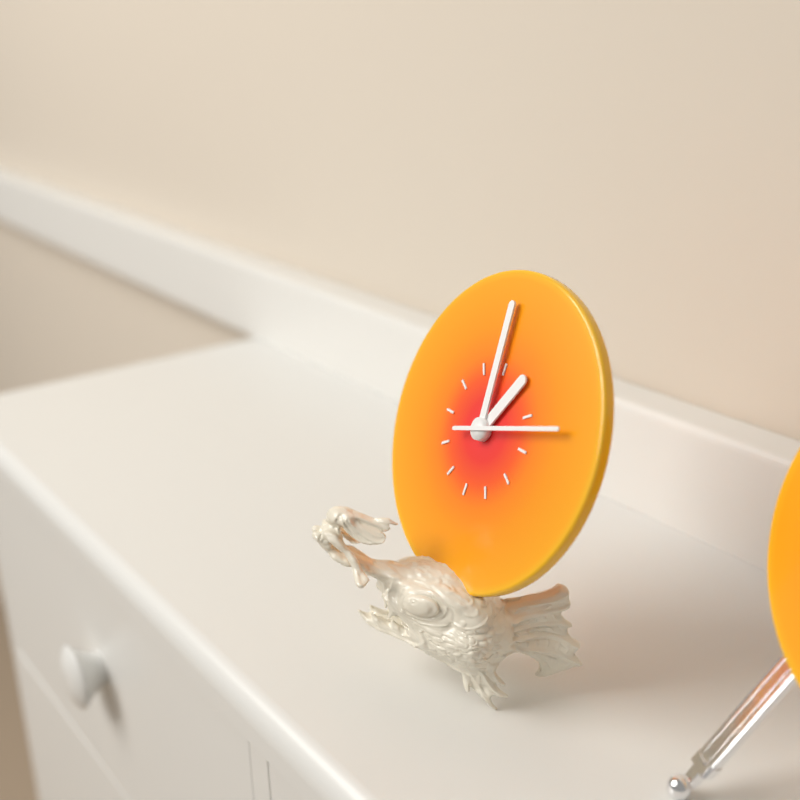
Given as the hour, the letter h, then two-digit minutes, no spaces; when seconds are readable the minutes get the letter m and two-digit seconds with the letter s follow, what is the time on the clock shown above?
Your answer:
12h59m12s
